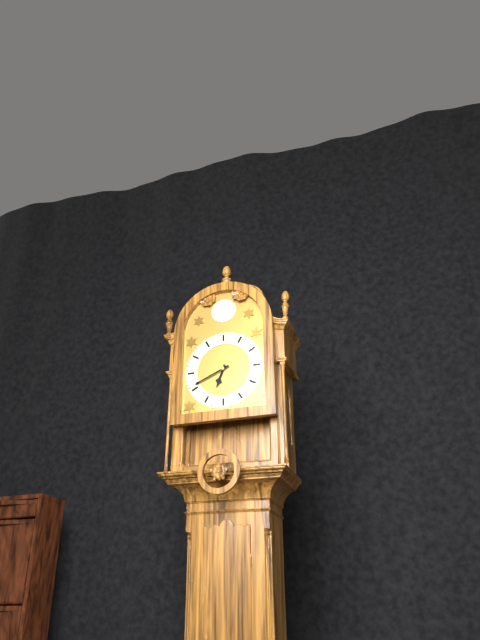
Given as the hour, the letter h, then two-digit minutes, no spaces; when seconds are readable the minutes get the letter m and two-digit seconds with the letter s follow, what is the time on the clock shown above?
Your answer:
6h41
